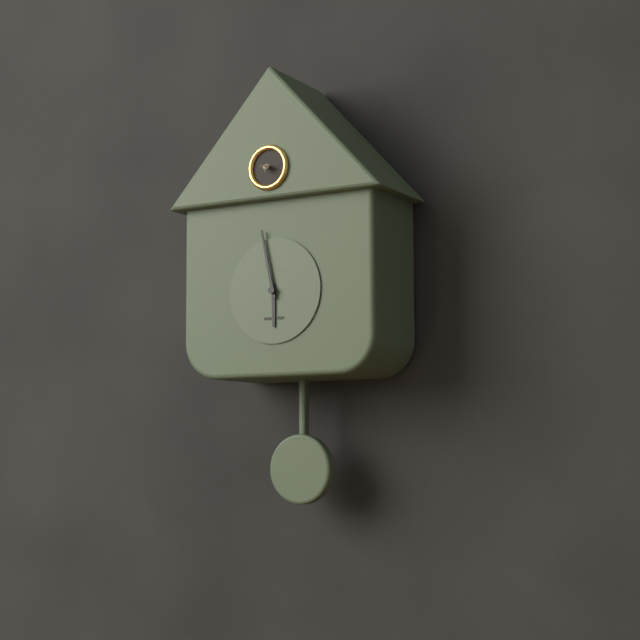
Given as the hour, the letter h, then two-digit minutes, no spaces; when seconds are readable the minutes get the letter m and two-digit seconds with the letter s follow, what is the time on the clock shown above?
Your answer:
5h58
